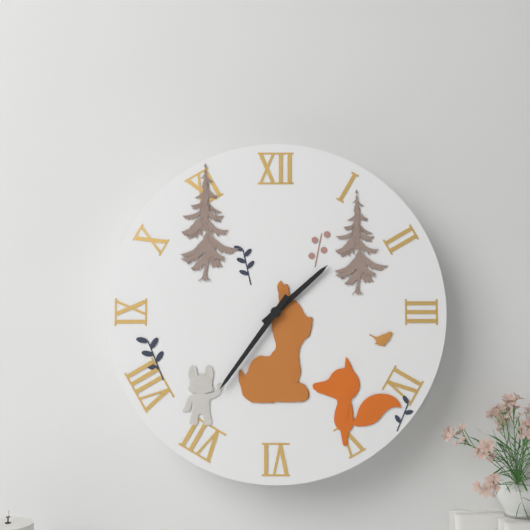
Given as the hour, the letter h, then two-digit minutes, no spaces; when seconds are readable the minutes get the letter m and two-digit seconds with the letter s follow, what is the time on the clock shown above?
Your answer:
1h36
